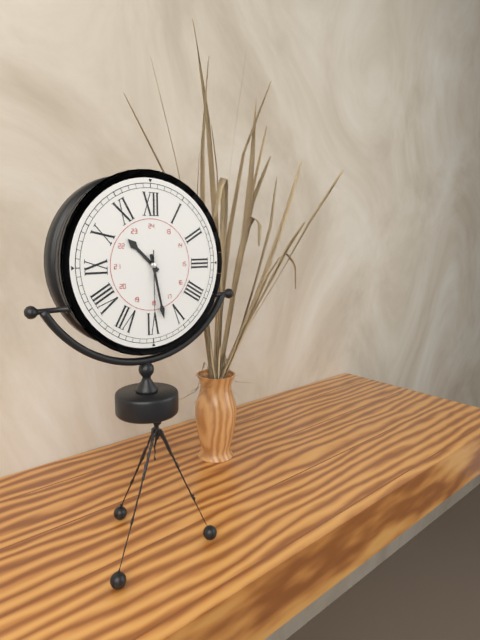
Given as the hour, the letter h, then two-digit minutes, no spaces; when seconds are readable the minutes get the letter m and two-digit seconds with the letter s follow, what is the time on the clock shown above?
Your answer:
10h28m30s
